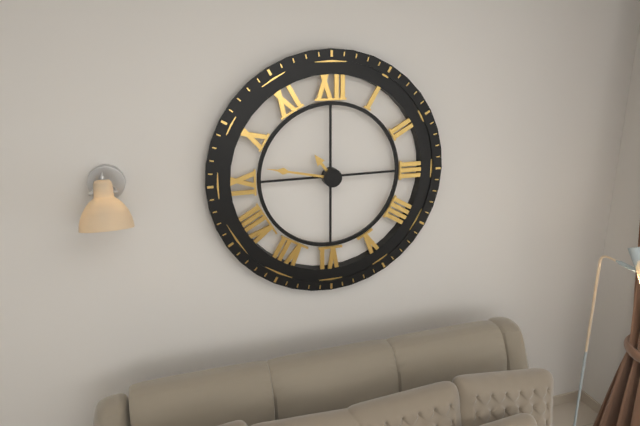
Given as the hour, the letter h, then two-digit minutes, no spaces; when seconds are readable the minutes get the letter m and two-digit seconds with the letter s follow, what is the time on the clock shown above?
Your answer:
10h47
